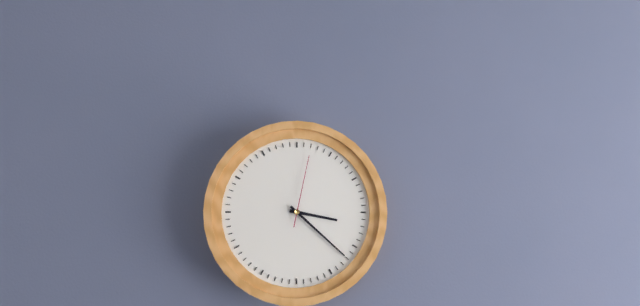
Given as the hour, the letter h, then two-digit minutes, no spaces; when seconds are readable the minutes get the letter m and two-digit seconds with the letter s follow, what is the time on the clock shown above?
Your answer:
3h22m02s
